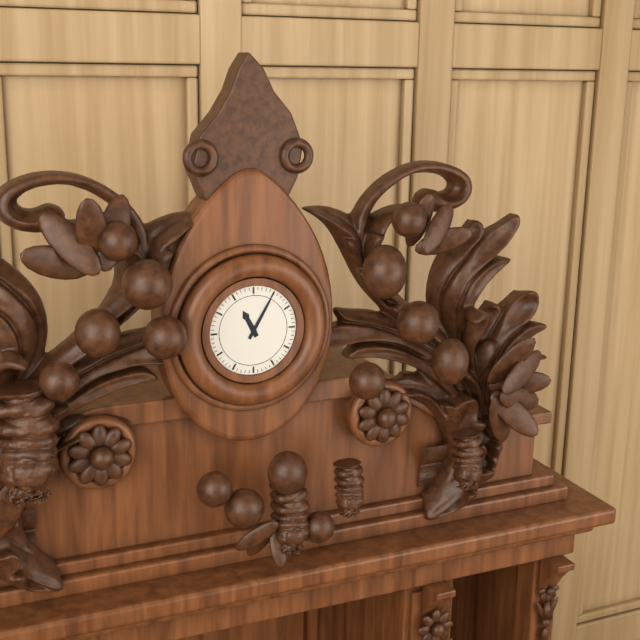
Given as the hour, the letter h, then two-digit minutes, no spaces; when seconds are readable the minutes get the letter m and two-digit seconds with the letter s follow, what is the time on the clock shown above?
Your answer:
11h05
